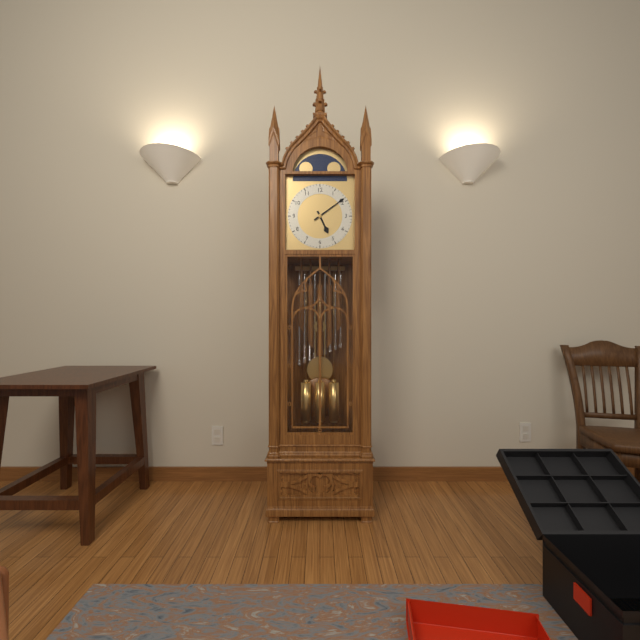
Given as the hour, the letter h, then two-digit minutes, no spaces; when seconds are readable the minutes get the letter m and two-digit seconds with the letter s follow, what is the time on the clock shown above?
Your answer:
5h09
